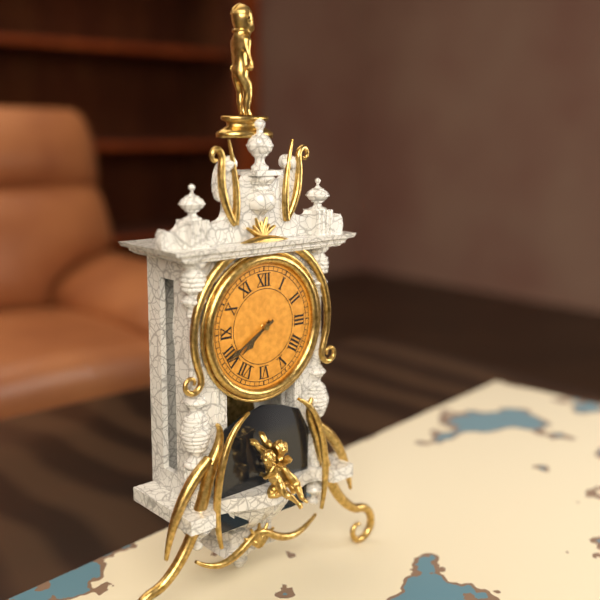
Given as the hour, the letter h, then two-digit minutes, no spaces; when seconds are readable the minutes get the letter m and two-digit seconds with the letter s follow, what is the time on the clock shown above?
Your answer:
7h40
